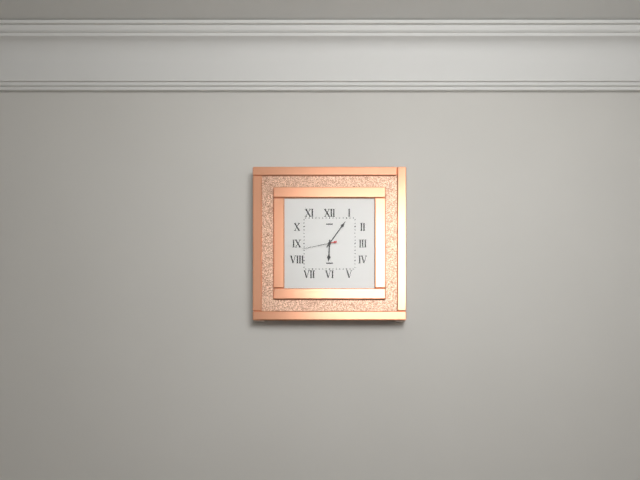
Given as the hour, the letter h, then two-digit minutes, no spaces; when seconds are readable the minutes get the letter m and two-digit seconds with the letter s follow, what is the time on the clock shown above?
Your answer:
6h06
